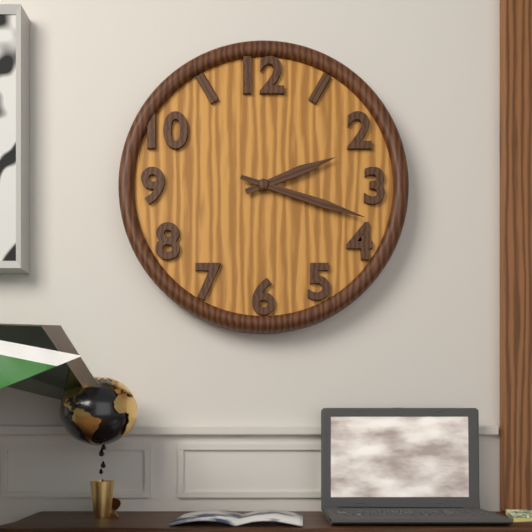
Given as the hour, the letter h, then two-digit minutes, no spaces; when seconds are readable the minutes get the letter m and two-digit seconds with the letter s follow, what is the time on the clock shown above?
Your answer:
2h18
